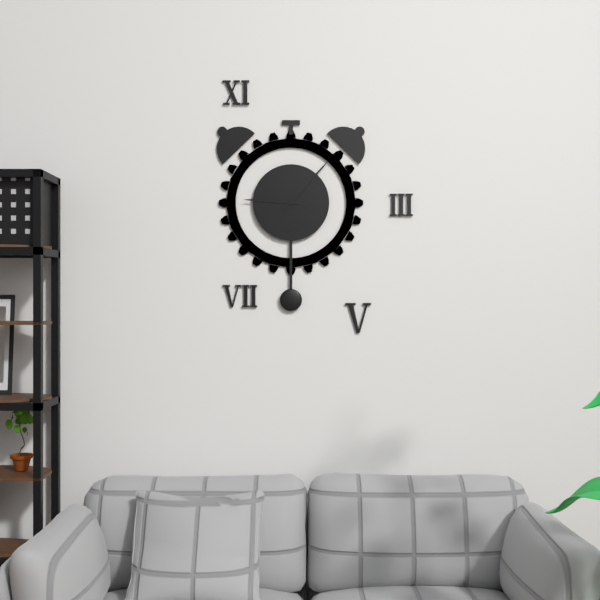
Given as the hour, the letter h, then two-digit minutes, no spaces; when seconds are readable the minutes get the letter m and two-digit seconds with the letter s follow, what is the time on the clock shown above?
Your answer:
9h07
